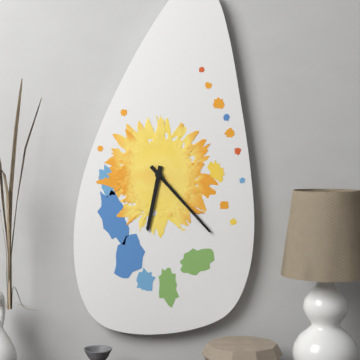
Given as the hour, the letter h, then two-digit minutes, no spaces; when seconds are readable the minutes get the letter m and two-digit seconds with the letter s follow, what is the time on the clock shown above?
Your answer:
6h23
